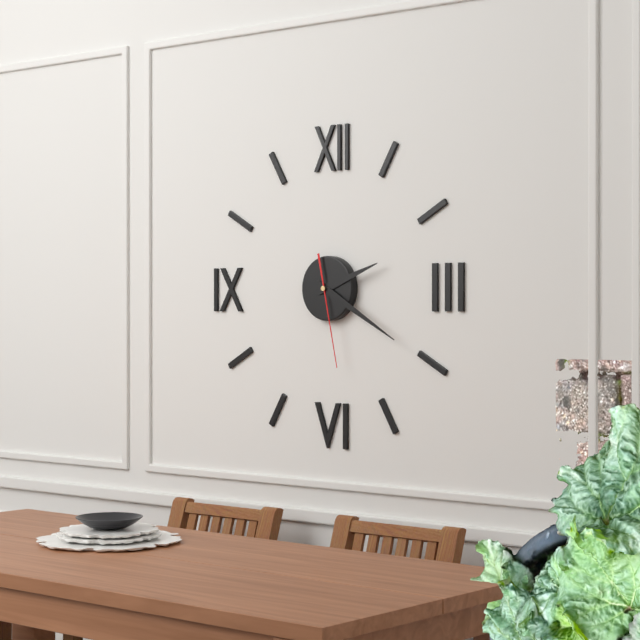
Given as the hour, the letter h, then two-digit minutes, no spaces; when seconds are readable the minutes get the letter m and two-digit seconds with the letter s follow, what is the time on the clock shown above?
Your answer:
2h20m28s
